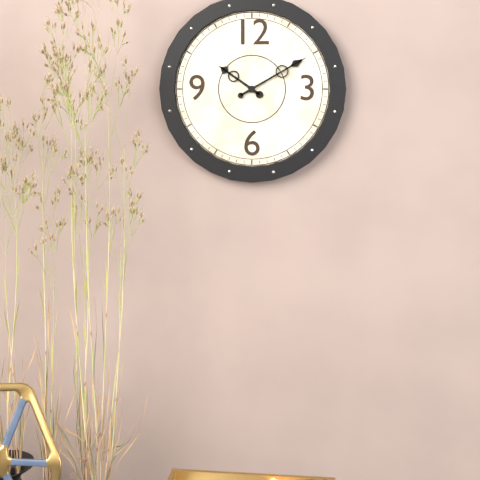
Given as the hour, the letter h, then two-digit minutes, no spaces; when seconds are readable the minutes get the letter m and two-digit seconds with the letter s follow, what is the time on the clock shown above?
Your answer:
10h10
